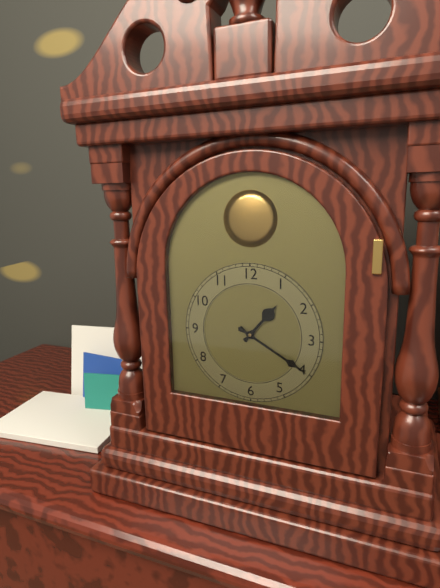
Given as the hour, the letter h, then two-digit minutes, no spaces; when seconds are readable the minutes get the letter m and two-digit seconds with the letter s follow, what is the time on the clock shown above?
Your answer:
1h20
